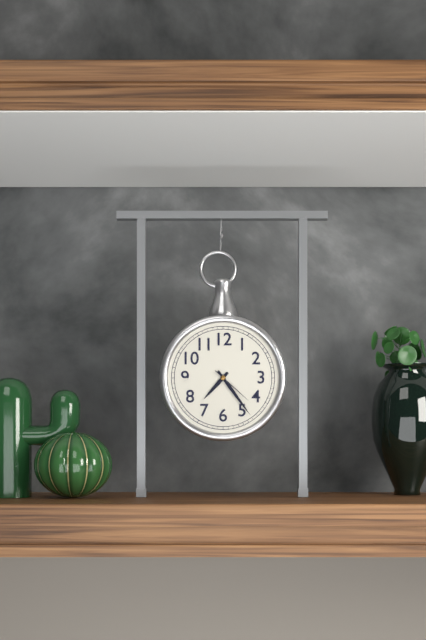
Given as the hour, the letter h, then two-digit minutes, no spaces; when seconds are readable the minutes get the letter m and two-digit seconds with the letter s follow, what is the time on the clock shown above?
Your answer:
7h24
